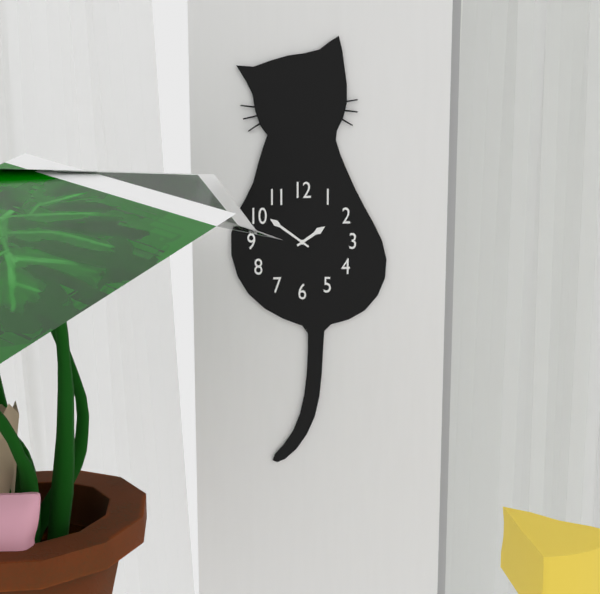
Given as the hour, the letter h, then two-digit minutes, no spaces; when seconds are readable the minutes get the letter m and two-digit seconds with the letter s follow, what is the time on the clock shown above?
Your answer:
1h51
